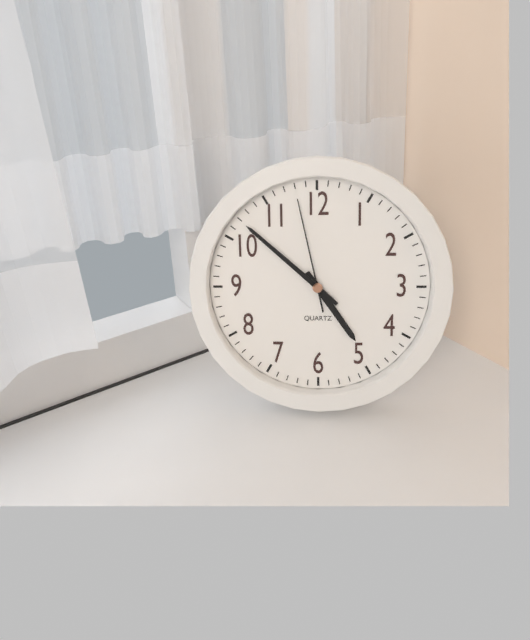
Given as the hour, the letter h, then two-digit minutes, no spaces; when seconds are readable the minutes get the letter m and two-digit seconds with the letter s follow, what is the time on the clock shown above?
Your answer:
4h52m58s
